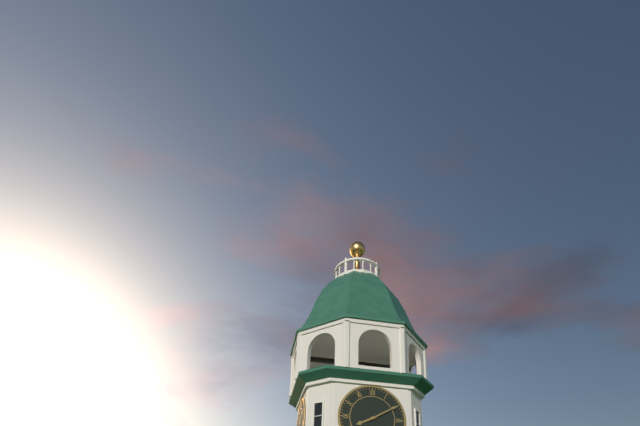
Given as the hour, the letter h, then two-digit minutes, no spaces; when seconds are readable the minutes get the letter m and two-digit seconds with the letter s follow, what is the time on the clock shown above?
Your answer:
8h10
